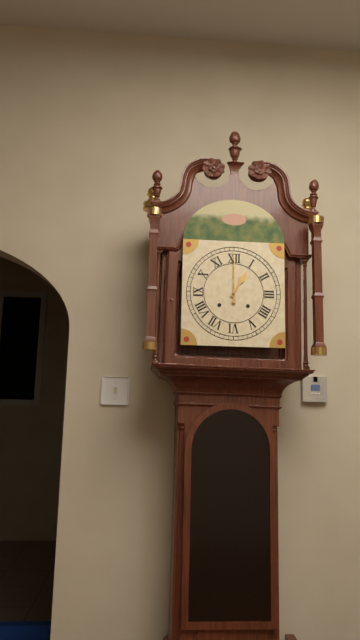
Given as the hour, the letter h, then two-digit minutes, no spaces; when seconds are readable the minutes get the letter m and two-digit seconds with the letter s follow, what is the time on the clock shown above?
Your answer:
1h00
